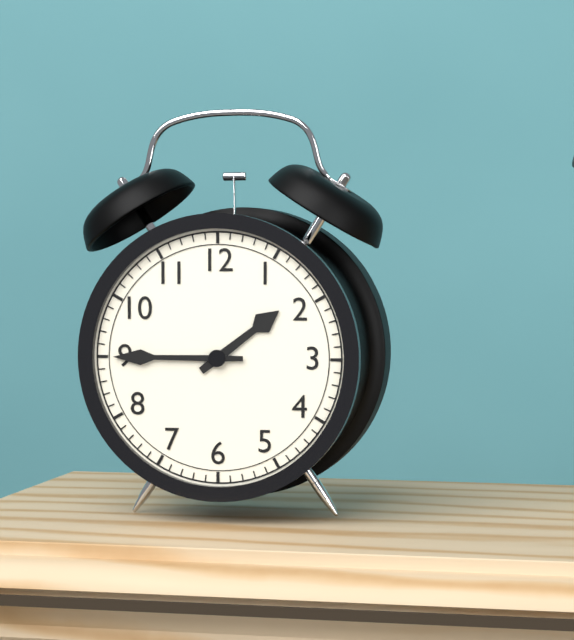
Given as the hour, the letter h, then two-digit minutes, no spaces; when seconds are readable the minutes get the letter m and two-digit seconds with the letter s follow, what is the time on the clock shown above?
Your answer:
1h45
